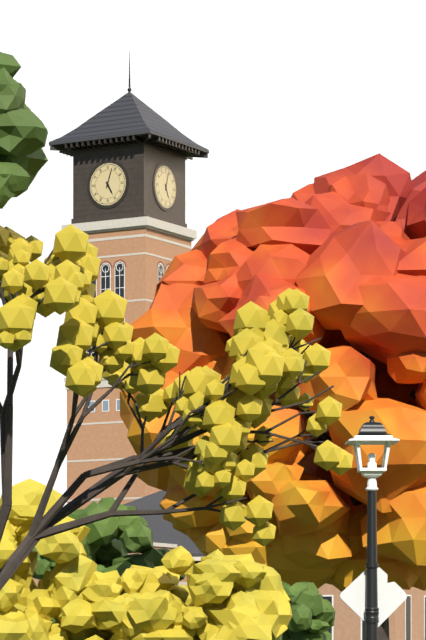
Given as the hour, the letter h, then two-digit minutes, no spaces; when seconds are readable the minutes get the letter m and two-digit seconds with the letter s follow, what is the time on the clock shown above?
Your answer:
5h03
